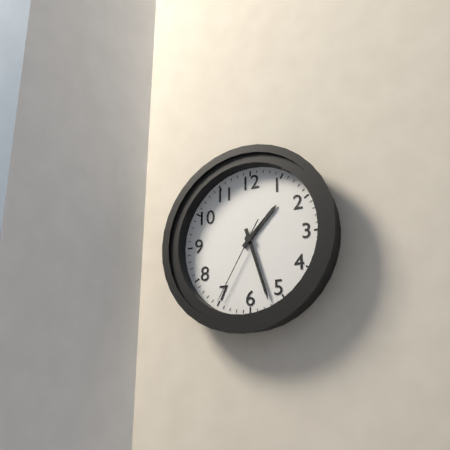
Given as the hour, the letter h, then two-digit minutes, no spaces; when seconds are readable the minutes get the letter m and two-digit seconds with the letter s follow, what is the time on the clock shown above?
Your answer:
1h27m35s
